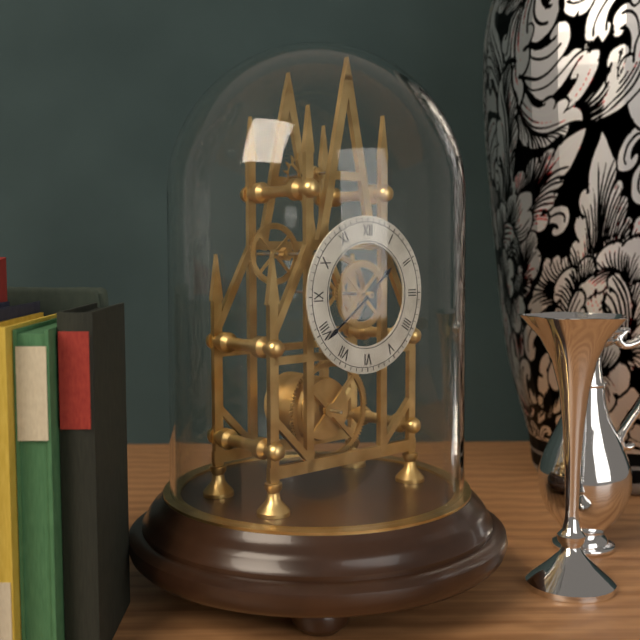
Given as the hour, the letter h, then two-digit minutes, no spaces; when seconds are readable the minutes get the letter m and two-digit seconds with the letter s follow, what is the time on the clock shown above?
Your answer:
1h39
